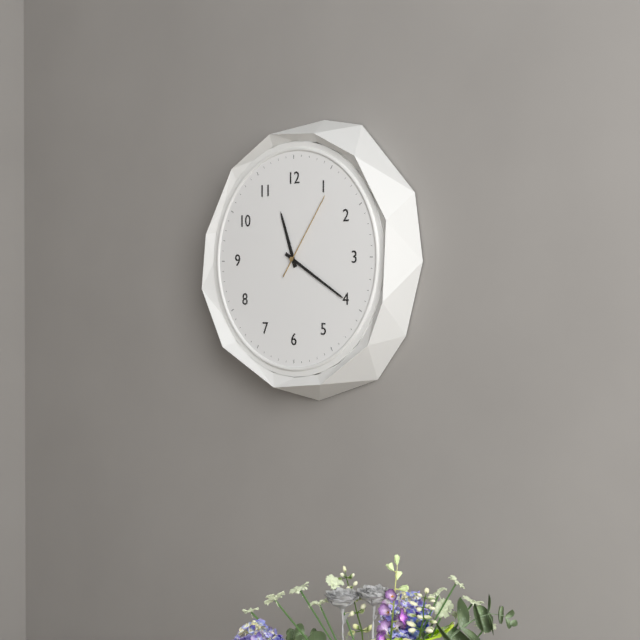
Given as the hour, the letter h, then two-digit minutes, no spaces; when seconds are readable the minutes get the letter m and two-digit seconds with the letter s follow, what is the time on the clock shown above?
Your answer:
11h20m06s
